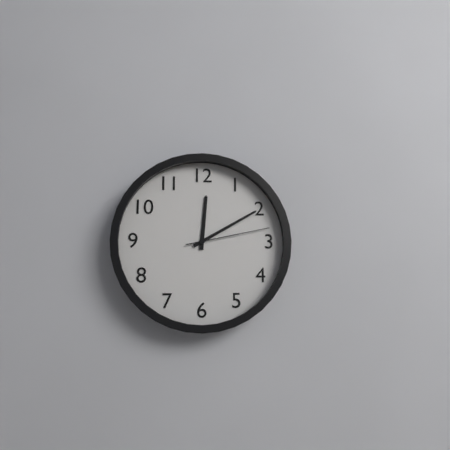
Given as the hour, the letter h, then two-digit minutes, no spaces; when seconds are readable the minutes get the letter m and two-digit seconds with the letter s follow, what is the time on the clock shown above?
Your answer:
12h10m13s
